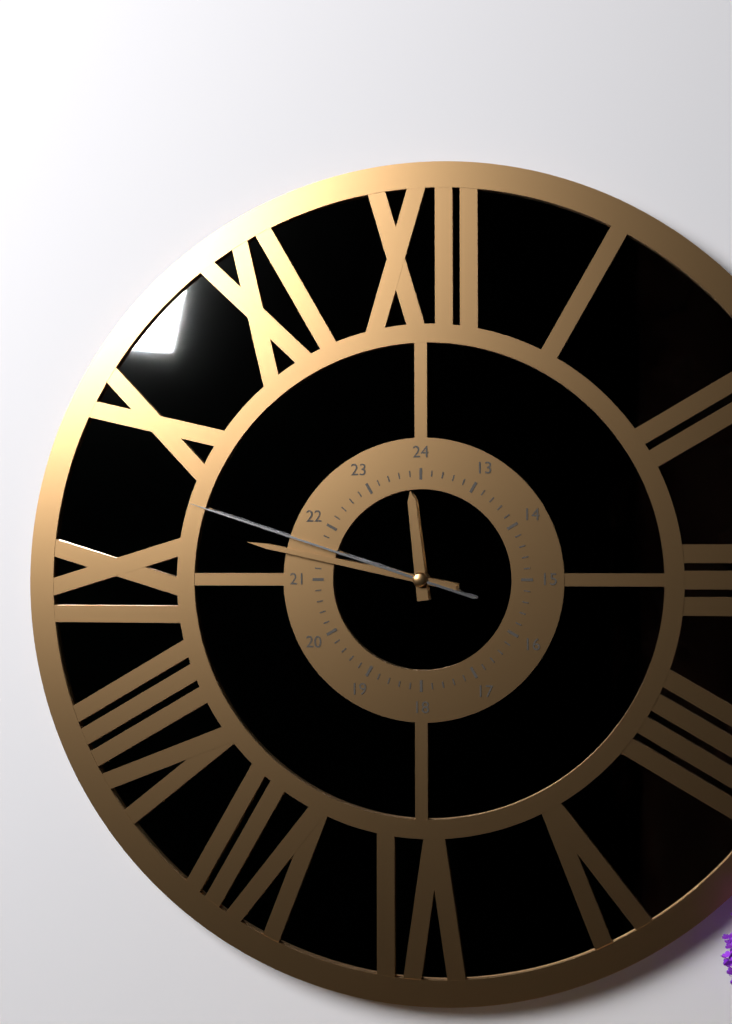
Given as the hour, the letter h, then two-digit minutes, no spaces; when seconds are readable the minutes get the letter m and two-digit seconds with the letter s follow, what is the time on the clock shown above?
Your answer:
11h47m48s
